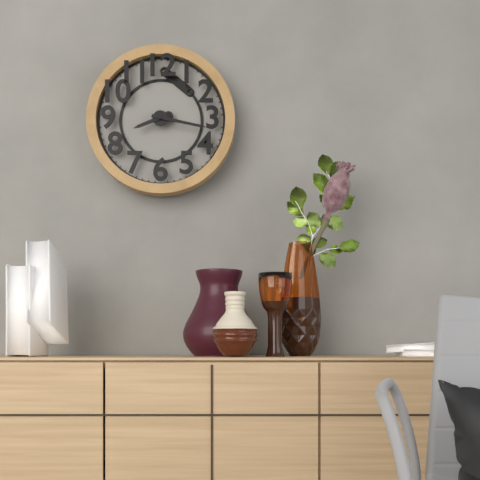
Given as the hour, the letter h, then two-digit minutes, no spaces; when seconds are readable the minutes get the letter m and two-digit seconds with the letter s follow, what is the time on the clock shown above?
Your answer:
8h17
